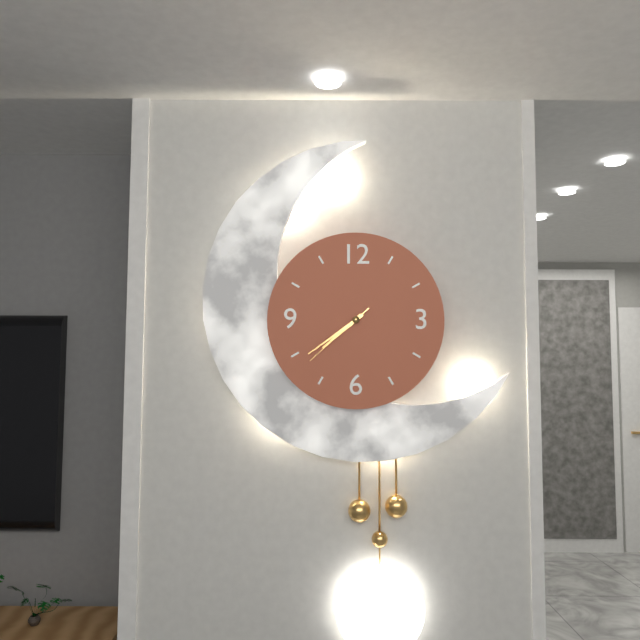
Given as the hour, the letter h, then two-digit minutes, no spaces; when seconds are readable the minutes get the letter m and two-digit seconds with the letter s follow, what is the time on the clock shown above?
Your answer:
7h39m38s
